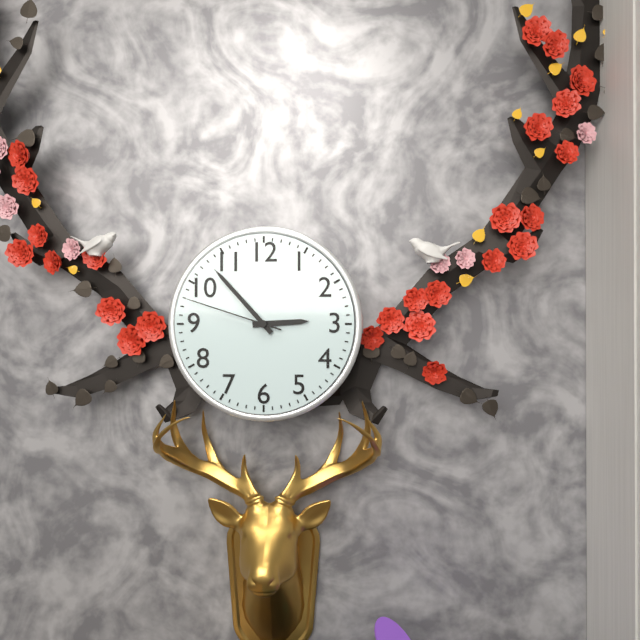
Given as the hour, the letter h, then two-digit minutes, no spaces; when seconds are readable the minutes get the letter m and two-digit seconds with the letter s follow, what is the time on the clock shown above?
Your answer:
2h53m48s
